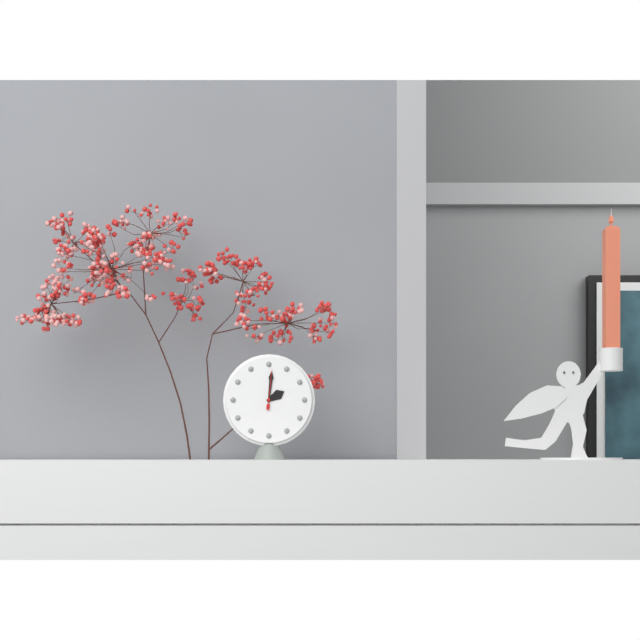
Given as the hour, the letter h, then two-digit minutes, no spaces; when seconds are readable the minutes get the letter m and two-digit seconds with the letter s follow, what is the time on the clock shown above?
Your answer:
2h01
